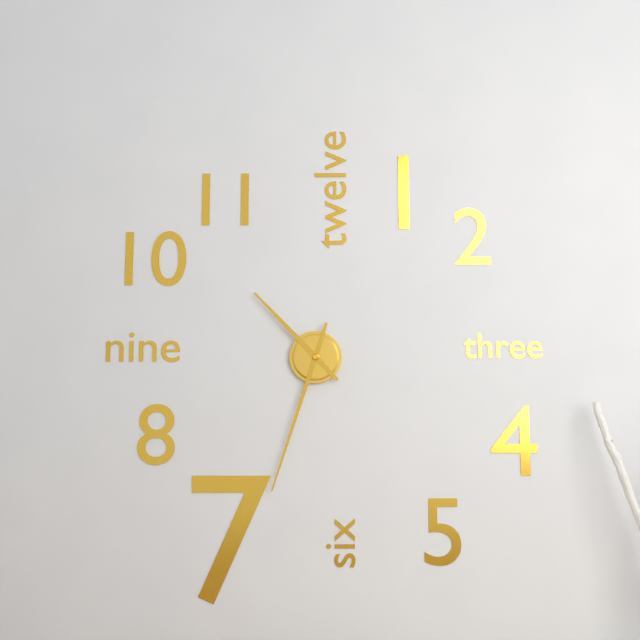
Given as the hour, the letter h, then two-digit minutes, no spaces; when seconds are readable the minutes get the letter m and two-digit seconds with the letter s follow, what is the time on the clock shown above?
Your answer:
10h33
